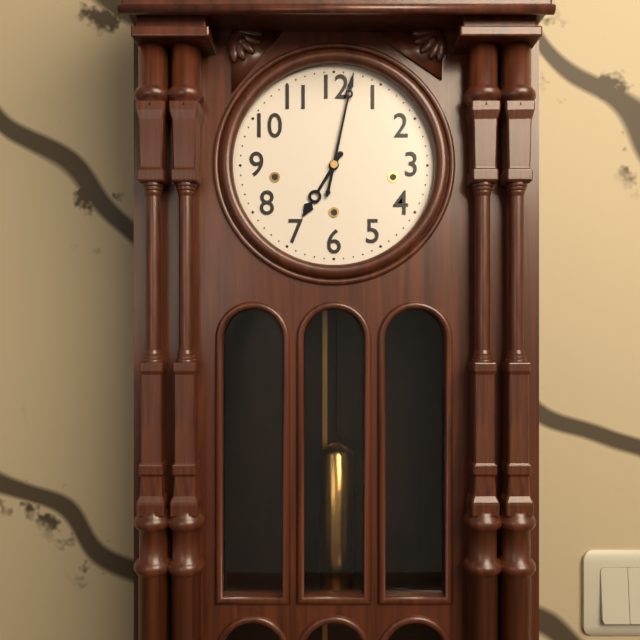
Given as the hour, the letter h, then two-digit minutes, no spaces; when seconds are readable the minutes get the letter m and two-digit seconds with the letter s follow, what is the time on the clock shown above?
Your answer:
7h02
